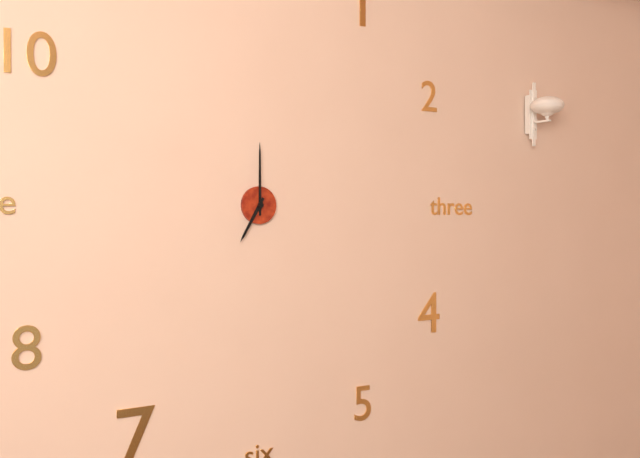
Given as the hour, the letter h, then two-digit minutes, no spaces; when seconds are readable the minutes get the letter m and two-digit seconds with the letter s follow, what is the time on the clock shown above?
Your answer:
7h00
